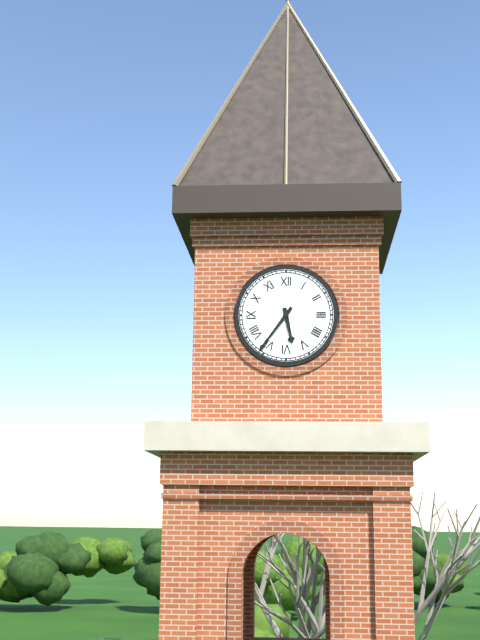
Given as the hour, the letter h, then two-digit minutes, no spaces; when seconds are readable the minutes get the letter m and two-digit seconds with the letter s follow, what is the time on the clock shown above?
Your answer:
5h36
